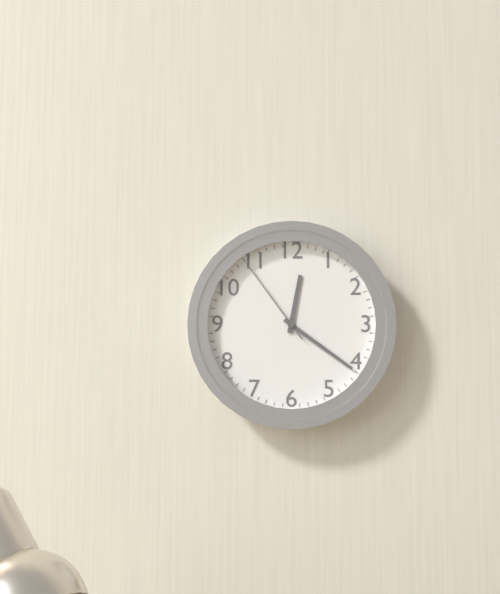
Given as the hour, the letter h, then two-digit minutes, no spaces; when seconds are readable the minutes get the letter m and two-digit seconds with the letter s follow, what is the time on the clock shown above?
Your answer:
12h21m54s
